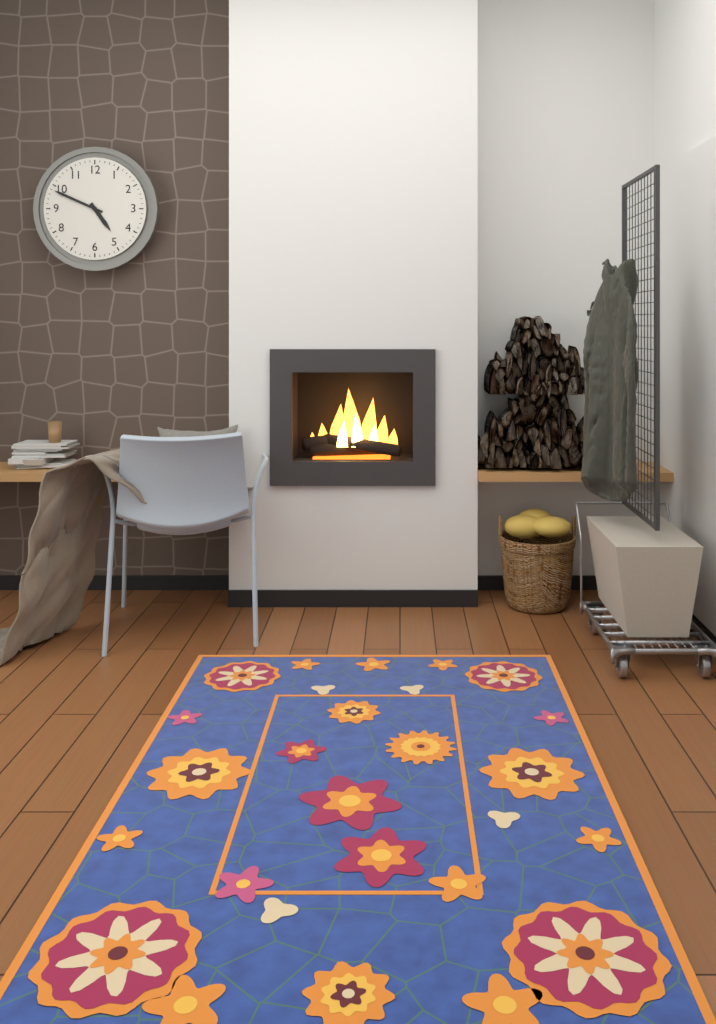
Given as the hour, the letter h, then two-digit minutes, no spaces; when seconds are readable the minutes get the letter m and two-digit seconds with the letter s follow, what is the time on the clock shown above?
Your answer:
4h49
